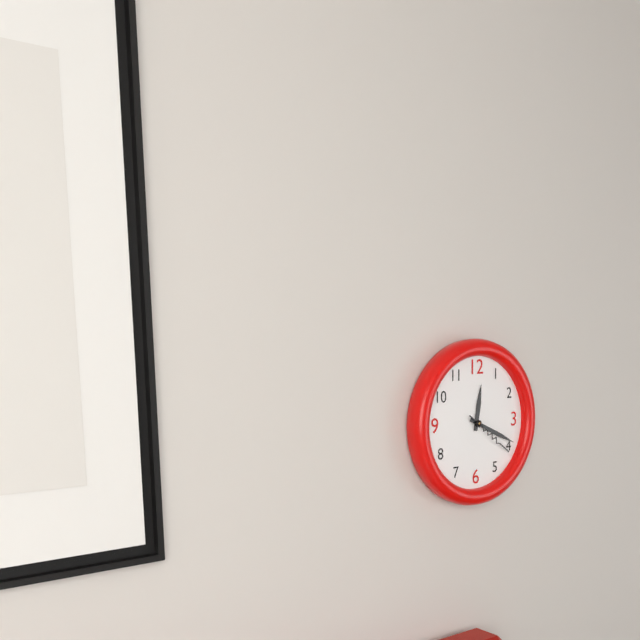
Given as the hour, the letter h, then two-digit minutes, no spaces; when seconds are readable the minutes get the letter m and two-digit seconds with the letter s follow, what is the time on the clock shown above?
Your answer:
12h19m21s
